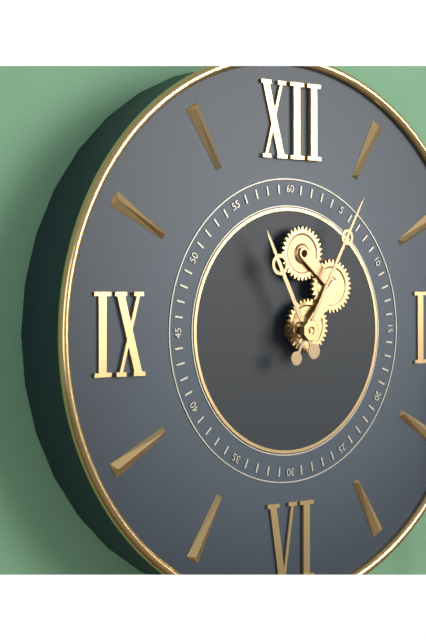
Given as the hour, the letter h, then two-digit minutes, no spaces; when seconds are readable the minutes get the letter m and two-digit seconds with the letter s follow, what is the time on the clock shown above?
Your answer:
11h05
